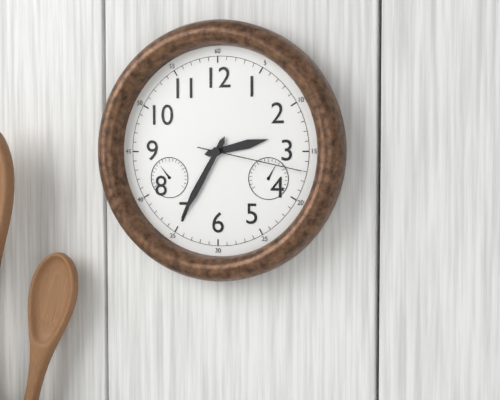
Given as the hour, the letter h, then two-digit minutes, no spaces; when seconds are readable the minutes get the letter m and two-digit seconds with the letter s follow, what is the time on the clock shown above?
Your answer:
2h35m17s
